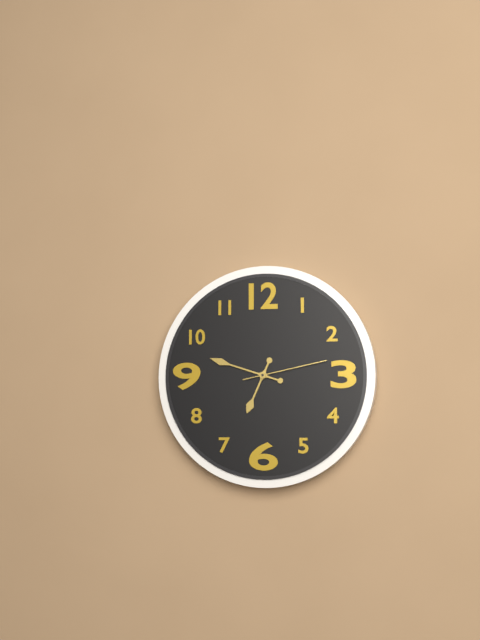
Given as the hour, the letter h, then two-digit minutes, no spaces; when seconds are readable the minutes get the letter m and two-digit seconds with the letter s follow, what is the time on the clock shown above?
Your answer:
6h48m13s
